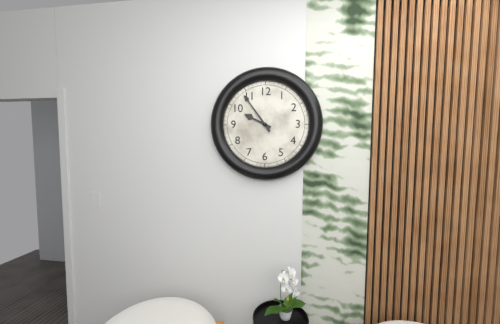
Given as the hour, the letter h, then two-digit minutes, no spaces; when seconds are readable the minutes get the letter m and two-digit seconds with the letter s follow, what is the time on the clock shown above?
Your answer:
9h54
